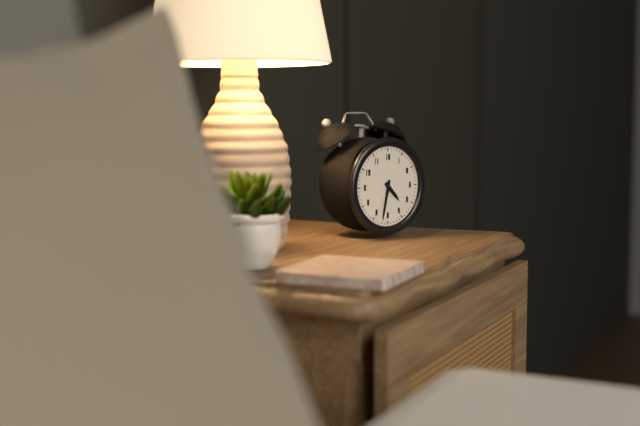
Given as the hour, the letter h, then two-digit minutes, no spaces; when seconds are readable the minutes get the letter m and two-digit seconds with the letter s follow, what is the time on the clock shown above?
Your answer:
4h32
